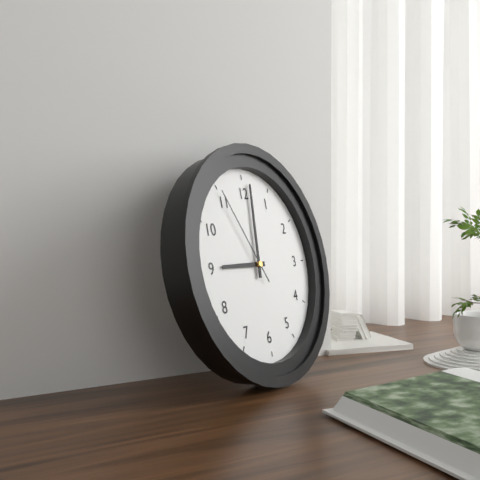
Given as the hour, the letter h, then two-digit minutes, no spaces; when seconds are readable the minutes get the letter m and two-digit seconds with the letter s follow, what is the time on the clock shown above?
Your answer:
9h01m55s
